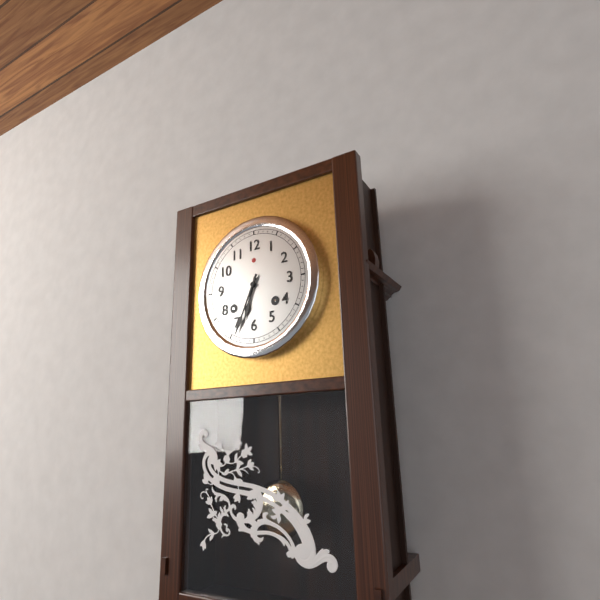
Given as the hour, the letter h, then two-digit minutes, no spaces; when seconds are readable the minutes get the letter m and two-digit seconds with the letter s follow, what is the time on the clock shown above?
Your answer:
6h34
